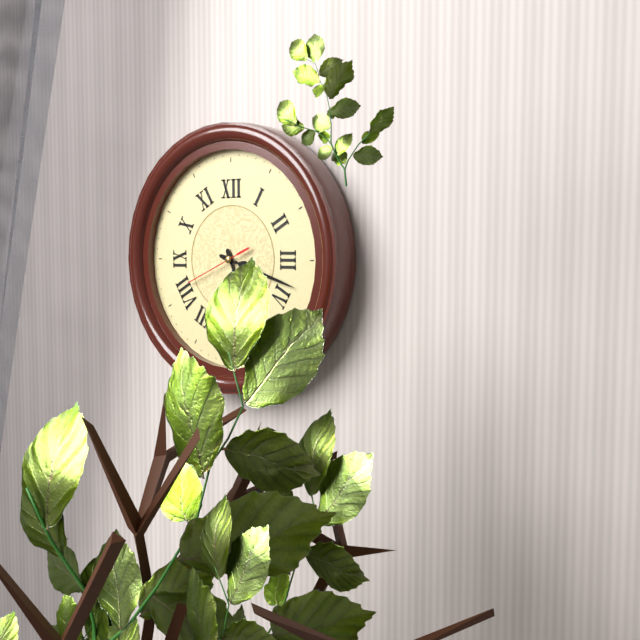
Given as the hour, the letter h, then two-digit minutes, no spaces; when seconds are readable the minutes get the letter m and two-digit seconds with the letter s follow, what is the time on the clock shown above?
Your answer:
5h18m41s
